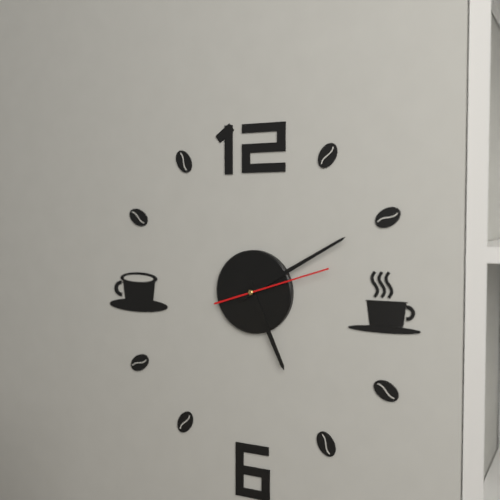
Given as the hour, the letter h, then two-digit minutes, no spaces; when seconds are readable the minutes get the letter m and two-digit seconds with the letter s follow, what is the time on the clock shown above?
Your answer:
5h10m12s
